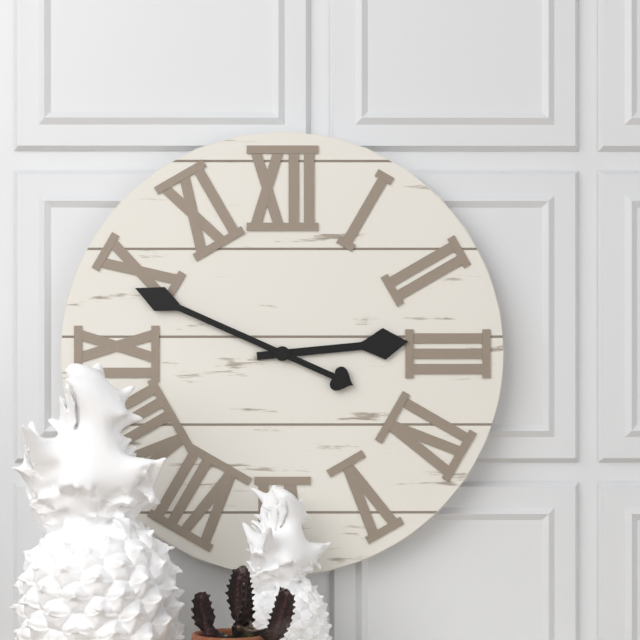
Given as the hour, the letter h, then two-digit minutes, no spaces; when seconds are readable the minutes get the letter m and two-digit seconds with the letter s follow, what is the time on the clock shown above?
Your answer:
2h49
